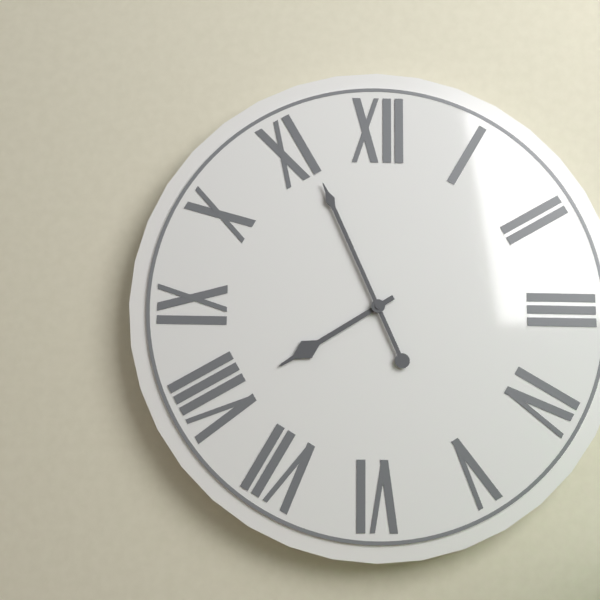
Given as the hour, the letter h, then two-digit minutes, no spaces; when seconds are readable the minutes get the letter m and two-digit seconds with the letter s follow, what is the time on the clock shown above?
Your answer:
7h56
